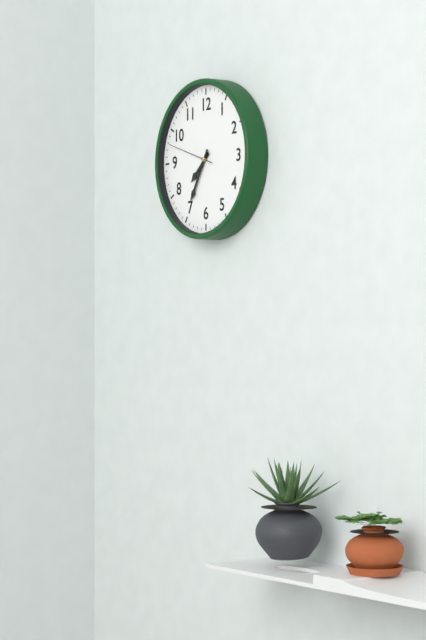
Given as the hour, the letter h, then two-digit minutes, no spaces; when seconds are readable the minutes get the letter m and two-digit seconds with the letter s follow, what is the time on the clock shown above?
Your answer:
7h35
